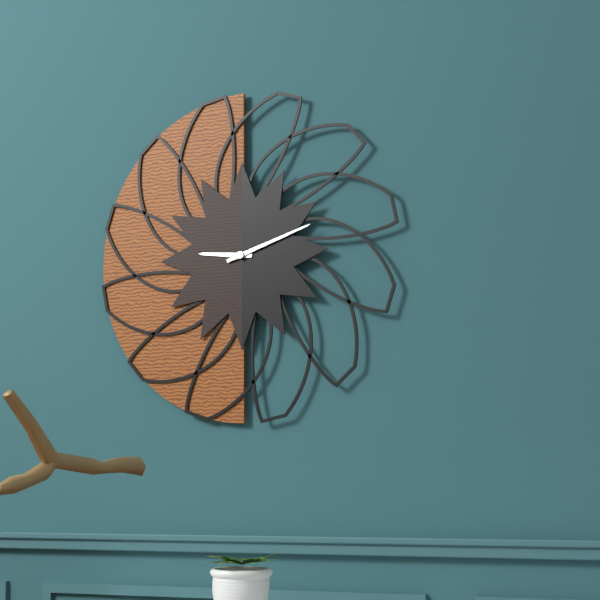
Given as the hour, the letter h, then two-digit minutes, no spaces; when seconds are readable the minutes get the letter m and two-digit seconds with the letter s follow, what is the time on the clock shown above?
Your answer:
9h12
